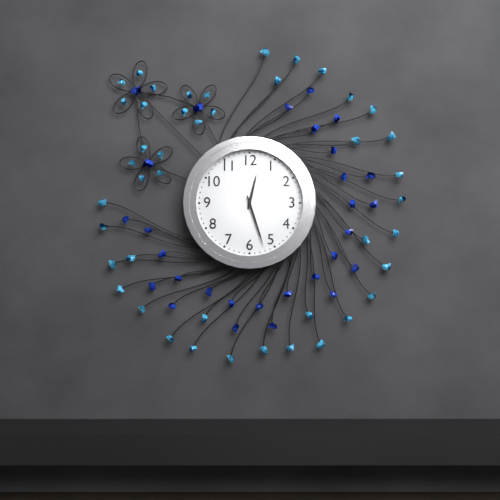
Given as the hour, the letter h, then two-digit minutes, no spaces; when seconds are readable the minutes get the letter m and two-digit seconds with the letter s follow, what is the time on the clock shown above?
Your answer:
12h27
